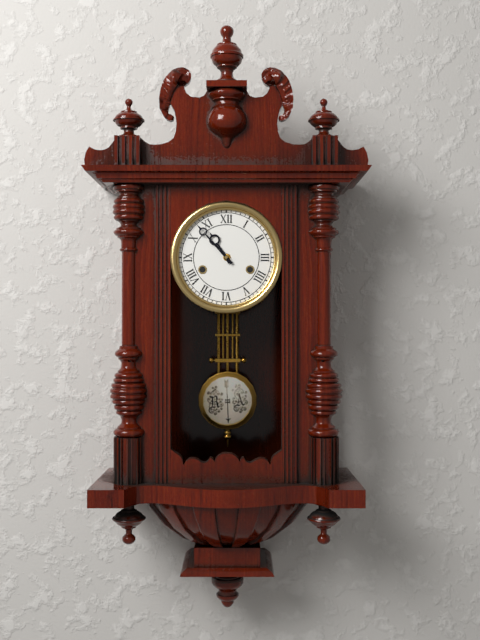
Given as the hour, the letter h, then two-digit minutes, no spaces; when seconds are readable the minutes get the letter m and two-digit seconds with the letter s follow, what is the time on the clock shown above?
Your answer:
10h53
